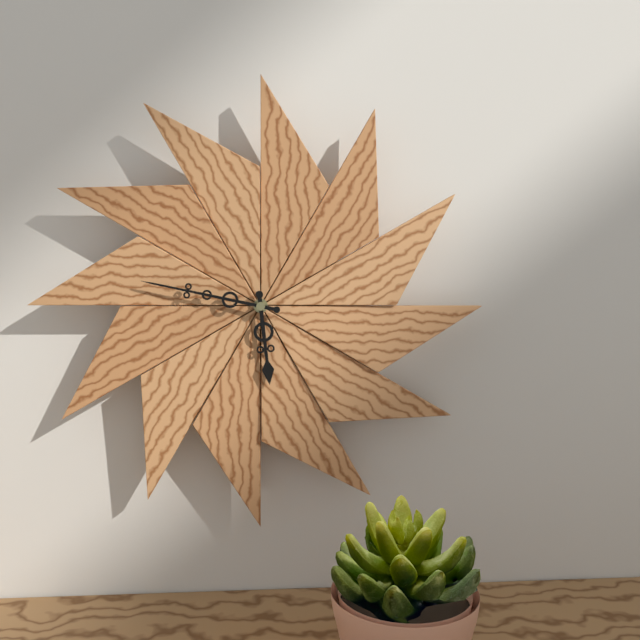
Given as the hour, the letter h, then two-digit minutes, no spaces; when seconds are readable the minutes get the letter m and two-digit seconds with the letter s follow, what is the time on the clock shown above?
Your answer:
5h47
